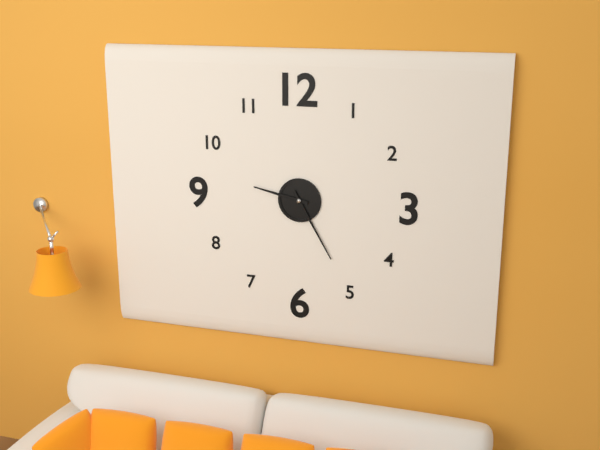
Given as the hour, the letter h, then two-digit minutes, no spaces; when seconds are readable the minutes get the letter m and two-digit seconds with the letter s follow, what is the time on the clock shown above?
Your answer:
9h25
